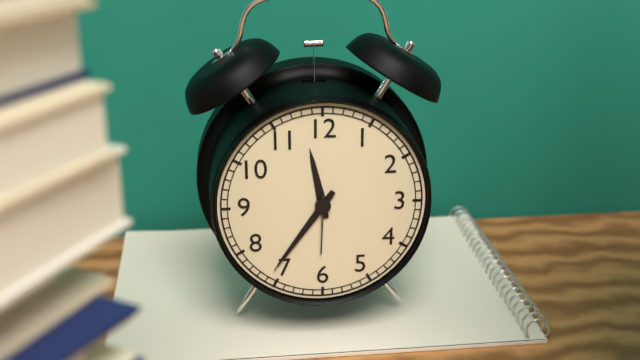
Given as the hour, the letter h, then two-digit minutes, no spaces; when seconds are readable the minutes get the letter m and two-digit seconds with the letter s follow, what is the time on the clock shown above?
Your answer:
11h36
